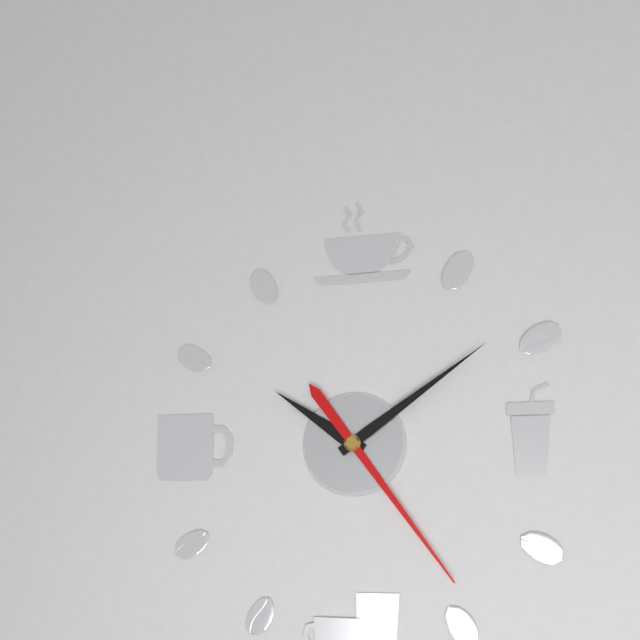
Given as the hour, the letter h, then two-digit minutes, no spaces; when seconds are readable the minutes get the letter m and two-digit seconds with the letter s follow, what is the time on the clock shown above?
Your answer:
10h09m24s
